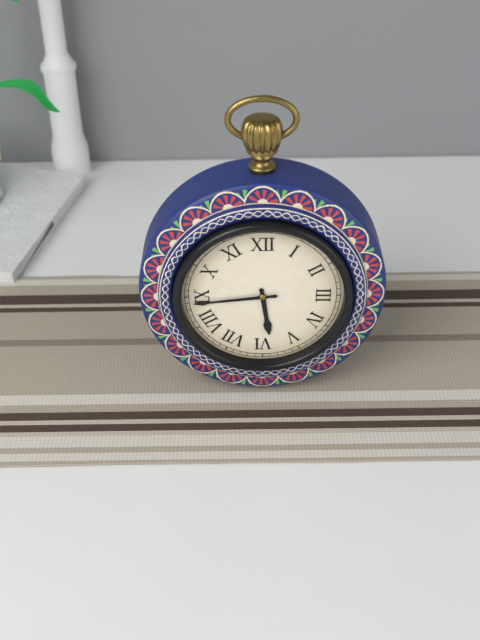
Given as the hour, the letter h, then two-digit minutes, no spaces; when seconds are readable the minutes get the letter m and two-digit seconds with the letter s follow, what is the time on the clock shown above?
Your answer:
5h44
